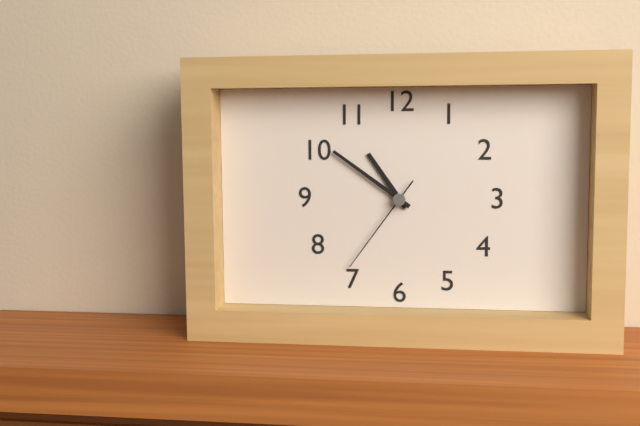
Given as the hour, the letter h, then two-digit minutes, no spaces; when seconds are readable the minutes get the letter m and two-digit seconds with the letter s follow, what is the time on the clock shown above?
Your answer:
10h51m36s
